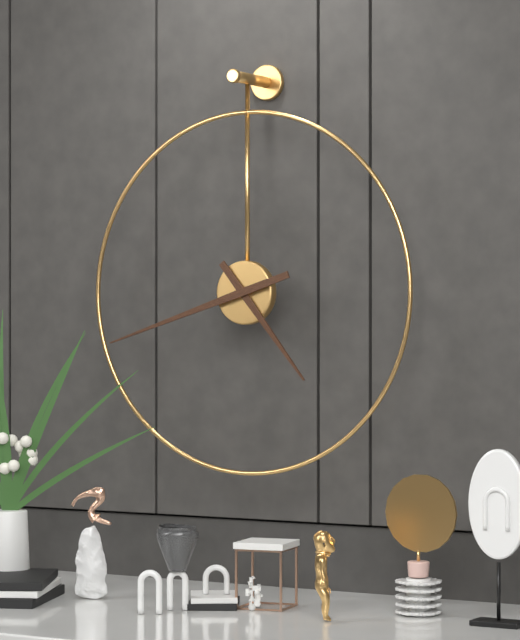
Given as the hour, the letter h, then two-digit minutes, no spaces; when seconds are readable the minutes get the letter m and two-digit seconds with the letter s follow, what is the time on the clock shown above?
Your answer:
4h42
